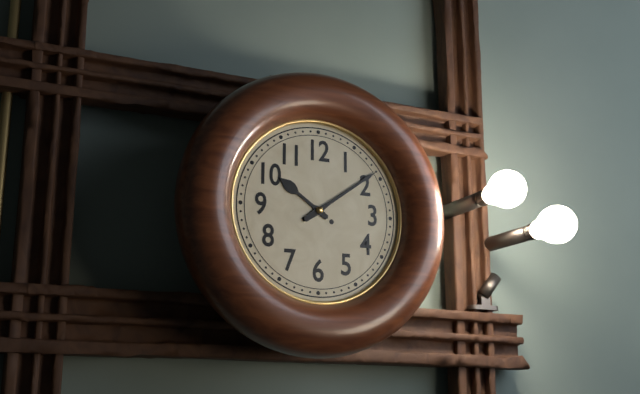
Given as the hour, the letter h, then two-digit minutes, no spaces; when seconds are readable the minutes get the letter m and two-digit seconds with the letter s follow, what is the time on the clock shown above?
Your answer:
10h09
